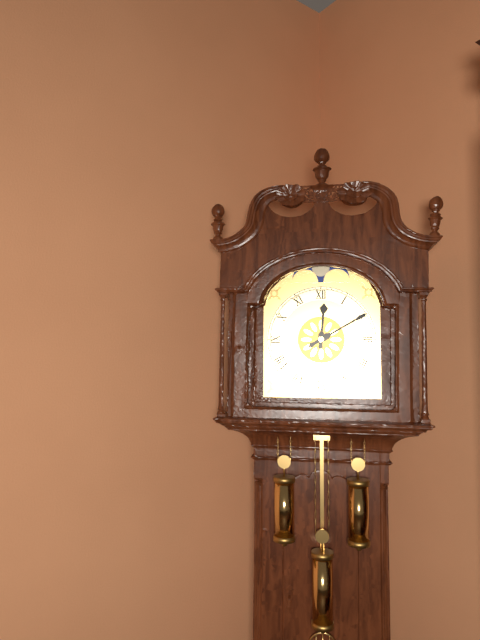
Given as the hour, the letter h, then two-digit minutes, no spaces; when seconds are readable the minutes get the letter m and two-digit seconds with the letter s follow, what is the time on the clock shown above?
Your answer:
12h10
